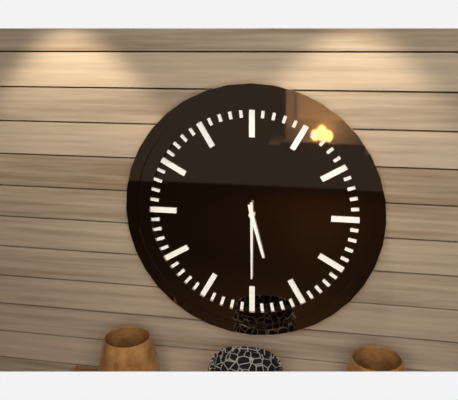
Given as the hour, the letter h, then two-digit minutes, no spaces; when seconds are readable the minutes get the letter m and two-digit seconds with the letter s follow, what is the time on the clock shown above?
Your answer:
5h30
